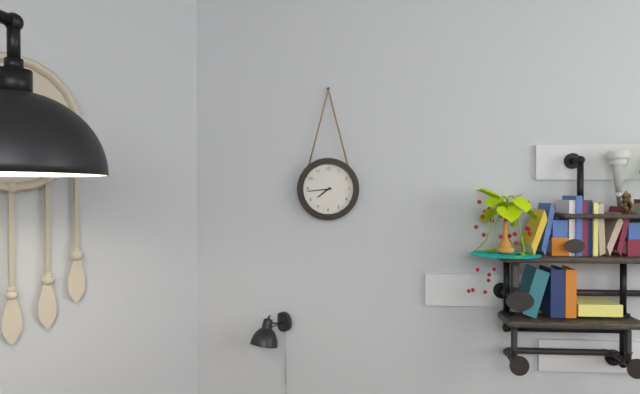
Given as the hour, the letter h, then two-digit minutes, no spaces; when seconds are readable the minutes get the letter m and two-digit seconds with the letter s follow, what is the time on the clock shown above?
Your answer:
7h44
